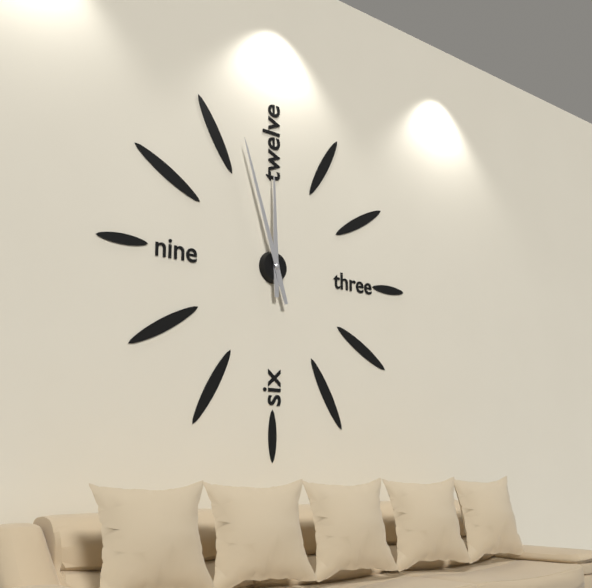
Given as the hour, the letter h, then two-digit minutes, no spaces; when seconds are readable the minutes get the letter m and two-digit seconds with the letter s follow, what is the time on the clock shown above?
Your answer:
11h57
